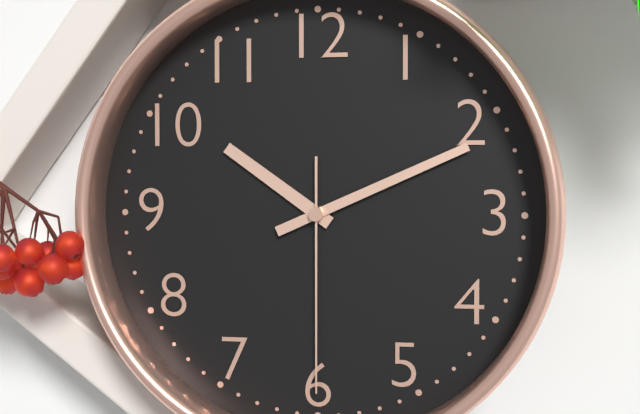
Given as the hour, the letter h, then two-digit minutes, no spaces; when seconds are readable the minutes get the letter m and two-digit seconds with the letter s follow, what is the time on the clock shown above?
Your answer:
10h11m30s
